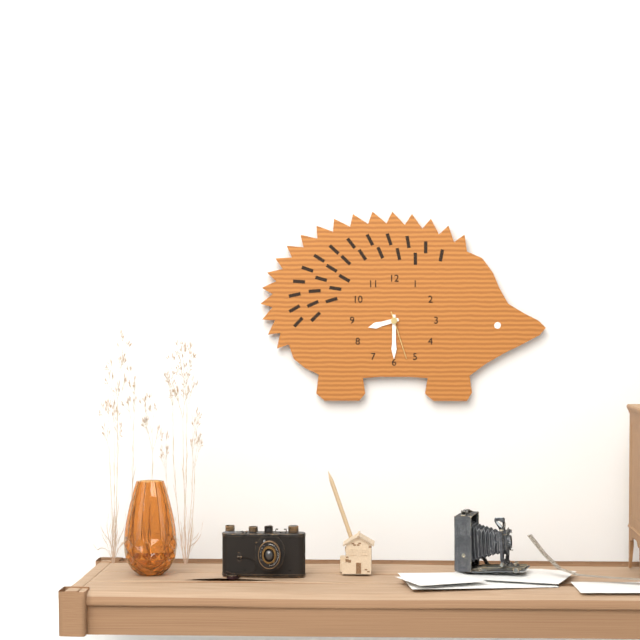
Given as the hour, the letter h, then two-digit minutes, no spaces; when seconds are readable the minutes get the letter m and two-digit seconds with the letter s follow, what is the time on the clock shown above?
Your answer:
8h30m27s
